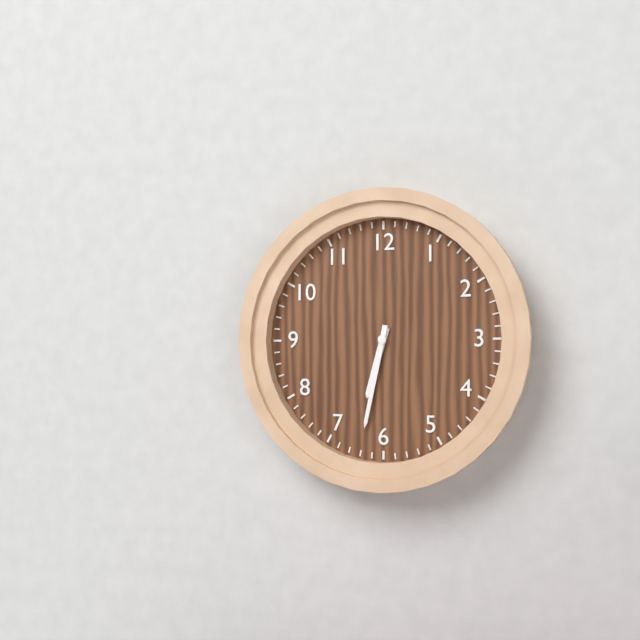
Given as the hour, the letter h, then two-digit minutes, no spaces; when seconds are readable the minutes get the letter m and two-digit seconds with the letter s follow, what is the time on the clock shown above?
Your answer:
6h32
